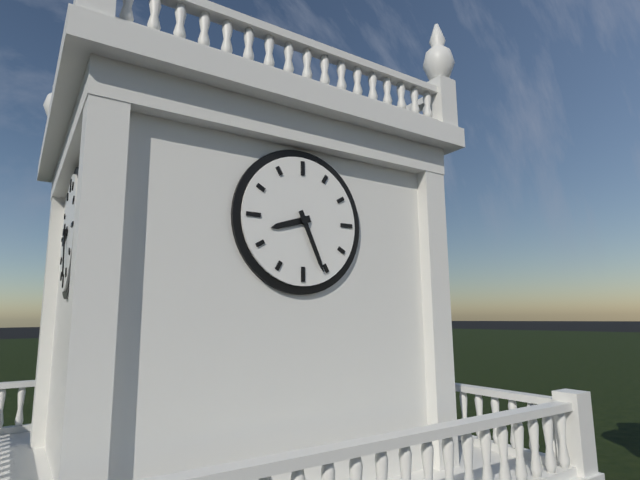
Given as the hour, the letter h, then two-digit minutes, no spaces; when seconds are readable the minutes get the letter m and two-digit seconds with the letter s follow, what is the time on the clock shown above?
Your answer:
8h26
